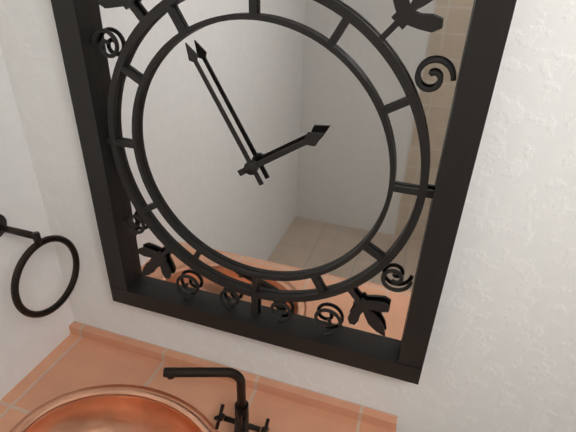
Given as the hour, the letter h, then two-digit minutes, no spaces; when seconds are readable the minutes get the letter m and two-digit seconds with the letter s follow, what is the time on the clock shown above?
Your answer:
1h55
